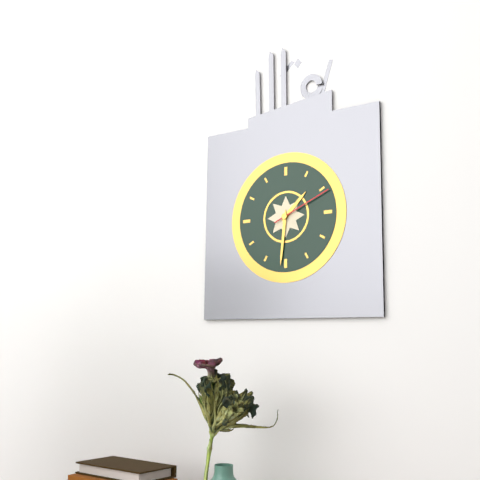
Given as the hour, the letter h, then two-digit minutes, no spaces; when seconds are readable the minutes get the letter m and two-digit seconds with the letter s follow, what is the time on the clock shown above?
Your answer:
1h31m11s
